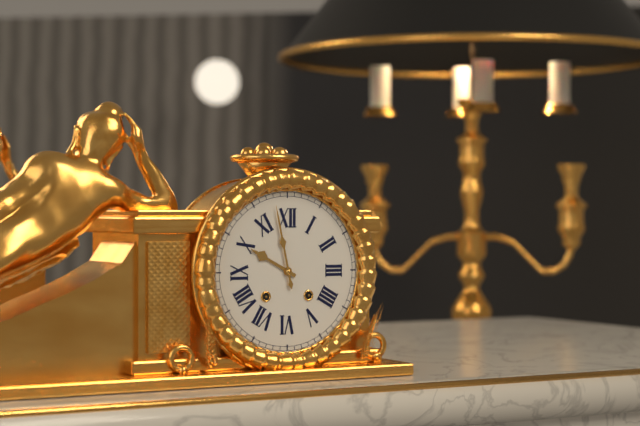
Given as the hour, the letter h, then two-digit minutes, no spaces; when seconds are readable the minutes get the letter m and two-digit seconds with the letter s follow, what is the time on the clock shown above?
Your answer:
9h58
